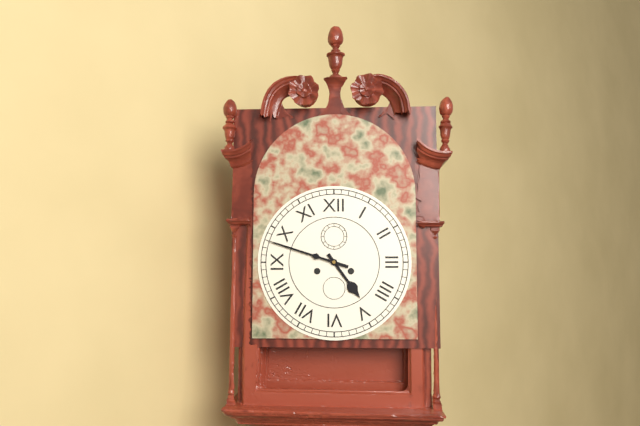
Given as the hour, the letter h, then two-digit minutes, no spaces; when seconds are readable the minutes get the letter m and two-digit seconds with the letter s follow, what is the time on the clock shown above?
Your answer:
4h48
